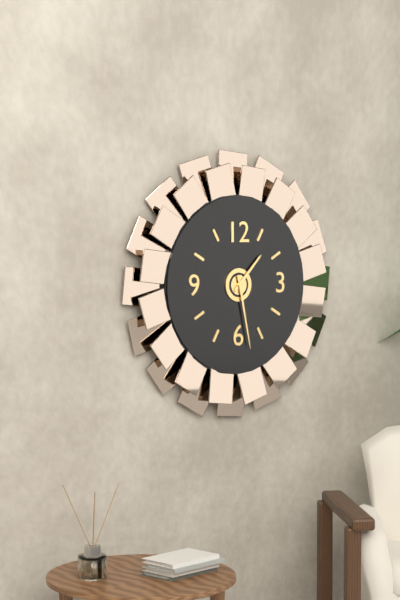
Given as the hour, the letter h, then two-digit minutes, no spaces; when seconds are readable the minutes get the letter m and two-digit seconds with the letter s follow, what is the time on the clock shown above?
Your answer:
1h28
